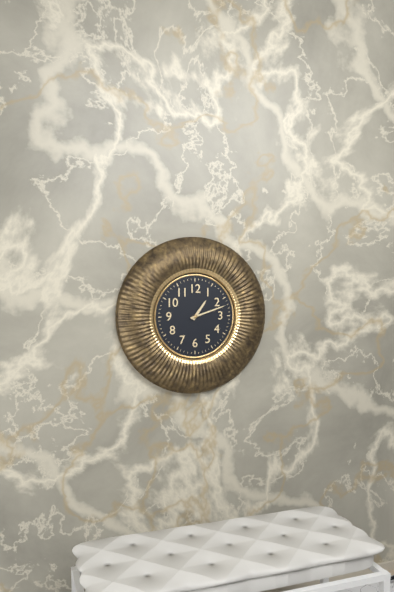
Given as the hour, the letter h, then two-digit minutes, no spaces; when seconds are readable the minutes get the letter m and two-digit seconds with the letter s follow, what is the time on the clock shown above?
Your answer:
1h12
